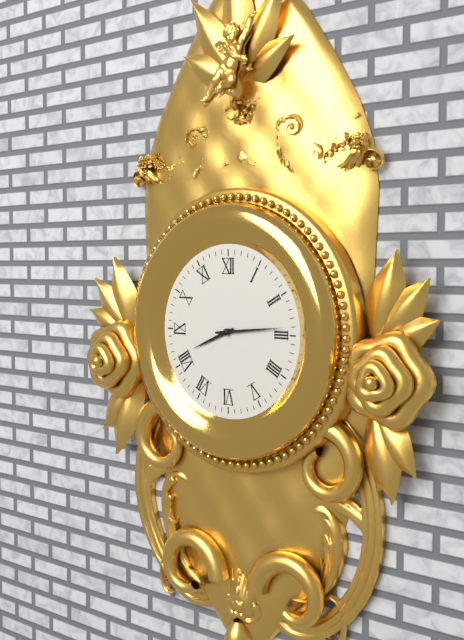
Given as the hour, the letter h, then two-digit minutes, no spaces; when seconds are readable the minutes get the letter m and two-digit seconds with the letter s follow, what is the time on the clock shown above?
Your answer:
8h14
